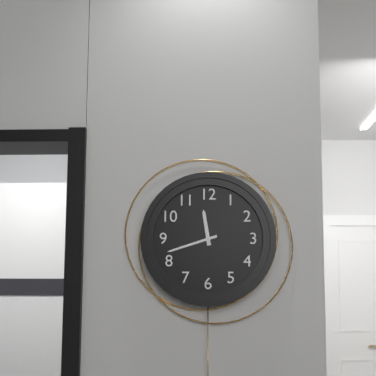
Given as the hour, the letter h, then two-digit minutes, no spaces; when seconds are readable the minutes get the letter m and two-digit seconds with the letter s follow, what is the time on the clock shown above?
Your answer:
11h42
